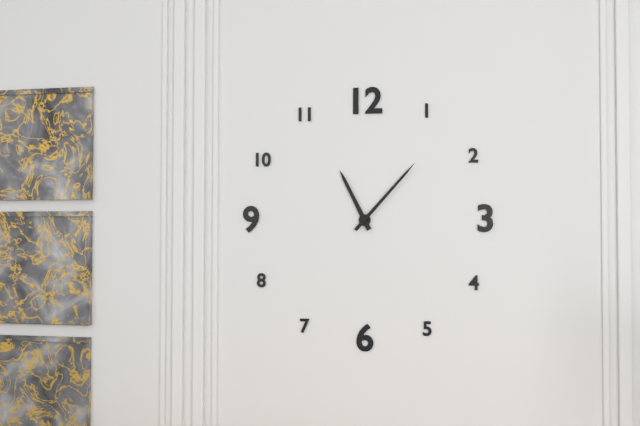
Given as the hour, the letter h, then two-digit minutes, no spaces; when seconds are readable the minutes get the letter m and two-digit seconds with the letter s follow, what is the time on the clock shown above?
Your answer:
11h07
